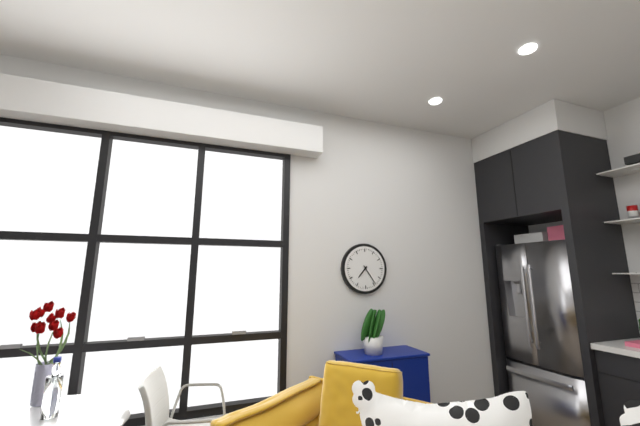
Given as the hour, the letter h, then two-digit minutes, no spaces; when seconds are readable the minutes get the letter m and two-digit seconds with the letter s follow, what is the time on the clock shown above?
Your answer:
7h24
